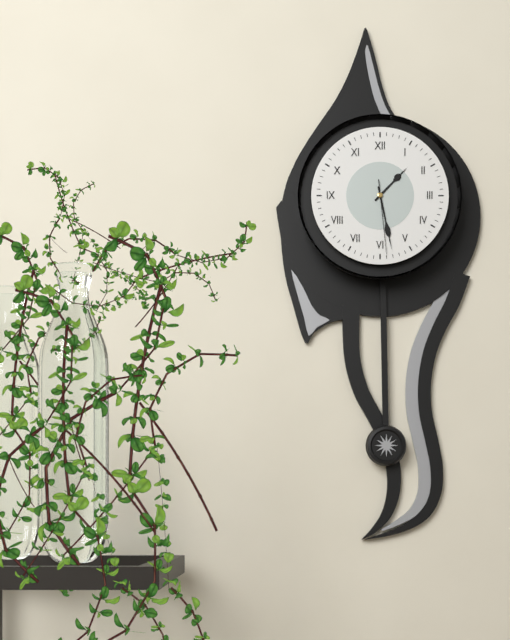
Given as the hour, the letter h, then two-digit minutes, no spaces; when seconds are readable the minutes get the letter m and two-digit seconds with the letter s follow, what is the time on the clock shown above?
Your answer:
1h28m29s
